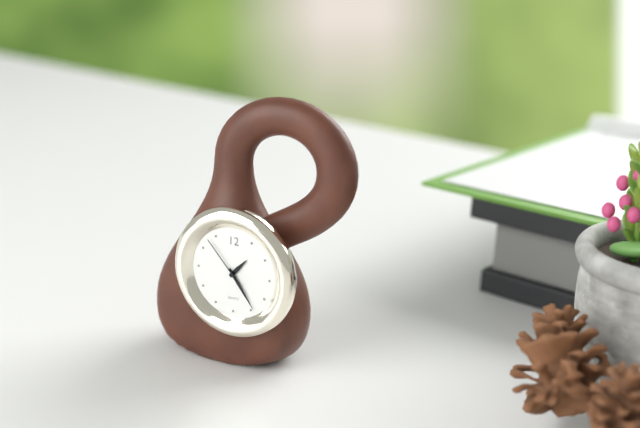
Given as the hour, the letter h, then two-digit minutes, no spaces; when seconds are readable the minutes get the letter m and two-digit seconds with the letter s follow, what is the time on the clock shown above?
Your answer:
1h24m53s
